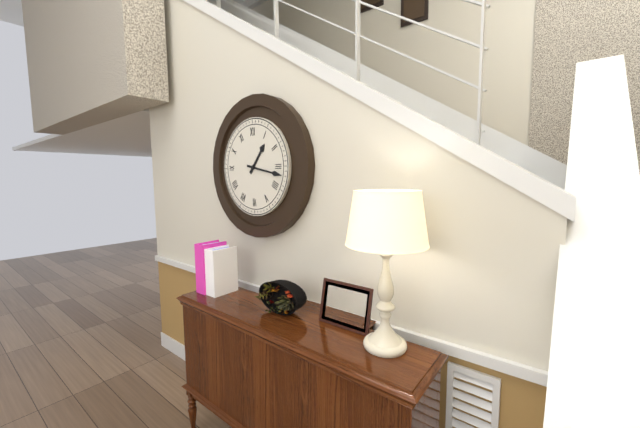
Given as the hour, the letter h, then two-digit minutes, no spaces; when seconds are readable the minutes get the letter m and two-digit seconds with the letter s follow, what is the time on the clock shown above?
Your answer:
1h17
